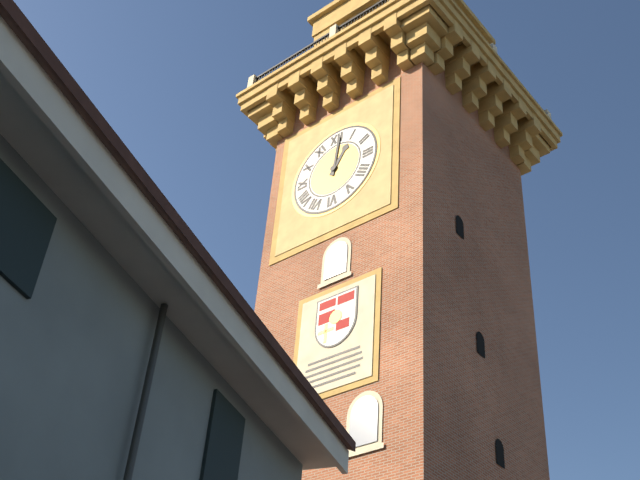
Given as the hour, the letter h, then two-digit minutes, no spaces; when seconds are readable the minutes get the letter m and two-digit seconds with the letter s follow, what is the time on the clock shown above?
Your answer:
1h01
